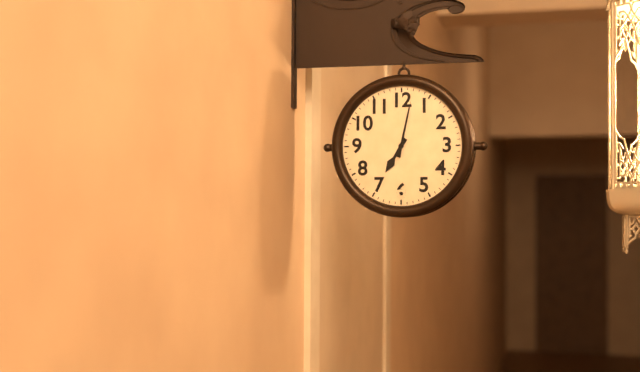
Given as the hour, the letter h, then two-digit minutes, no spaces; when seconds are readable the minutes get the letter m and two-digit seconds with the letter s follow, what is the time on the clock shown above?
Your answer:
7h02
